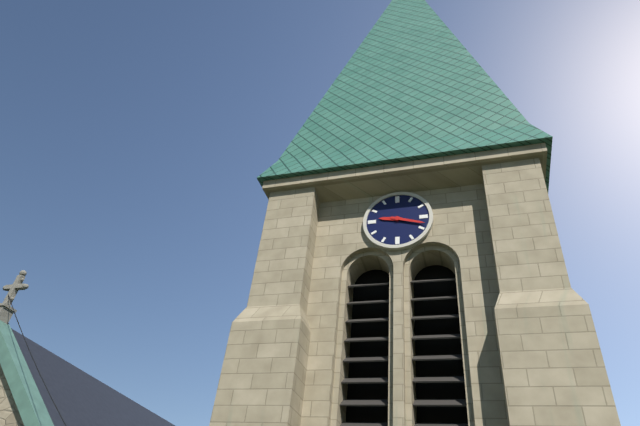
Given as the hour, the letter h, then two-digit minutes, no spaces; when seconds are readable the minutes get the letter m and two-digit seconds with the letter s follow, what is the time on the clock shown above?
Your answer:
9h18
